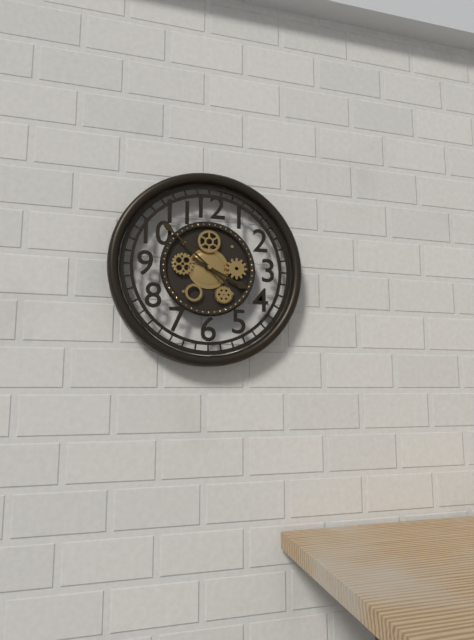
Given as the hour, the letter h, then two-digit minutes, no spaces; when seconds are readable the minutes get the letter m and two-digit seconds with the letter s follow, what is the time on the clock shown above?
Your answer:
3h52
